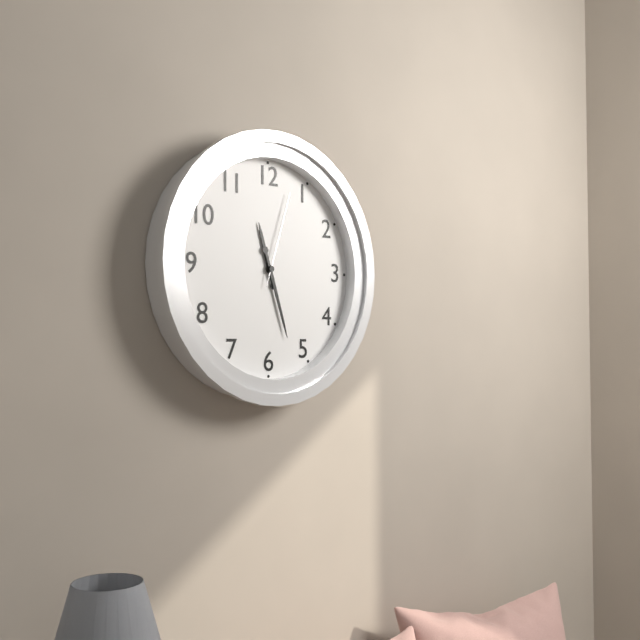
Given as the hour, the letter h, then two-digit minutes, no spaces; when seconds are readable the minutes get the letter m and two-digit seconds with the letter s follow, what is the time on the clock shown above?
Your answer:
11h27m03s
